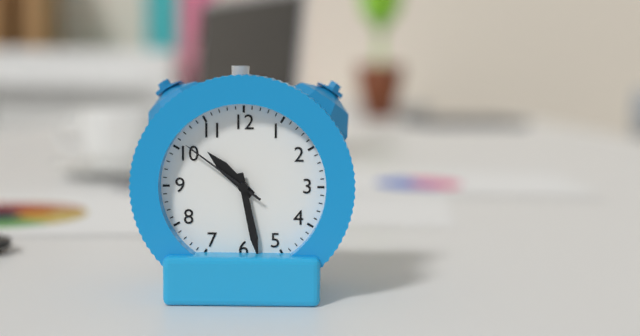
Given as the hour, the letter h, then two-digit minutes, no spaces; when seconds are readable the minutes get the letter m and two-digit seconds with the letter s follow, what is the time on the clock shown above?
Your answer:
10h28m51s
